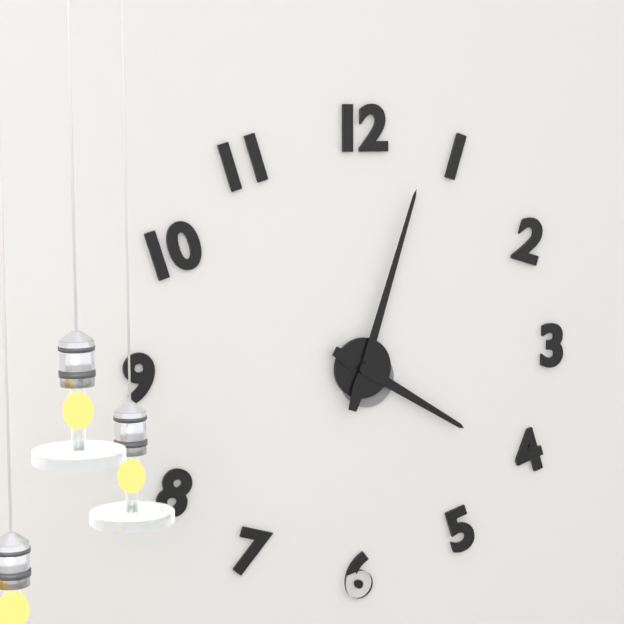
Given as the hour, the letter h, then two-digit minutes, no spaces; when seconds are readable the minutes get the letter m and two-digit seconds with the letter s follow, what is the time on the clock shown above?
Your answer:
4h03
